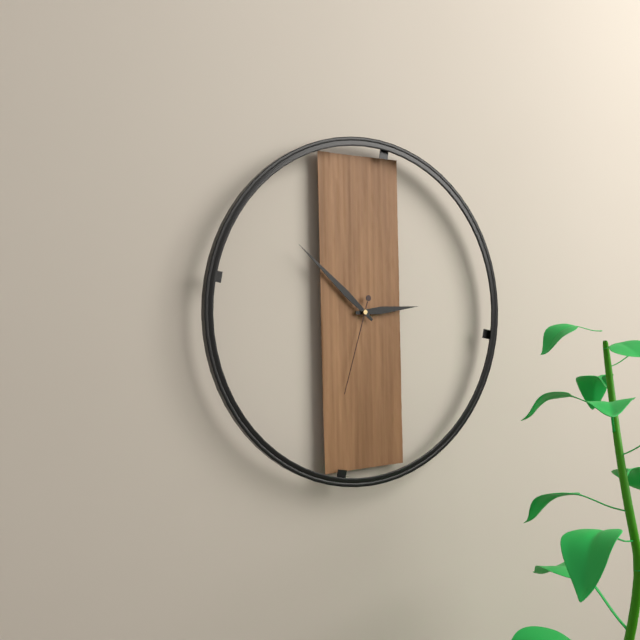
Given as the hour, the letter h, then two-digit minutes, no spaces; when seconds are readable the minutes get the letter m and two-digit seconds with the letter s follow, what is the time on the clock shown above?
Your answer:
2h52m33s
